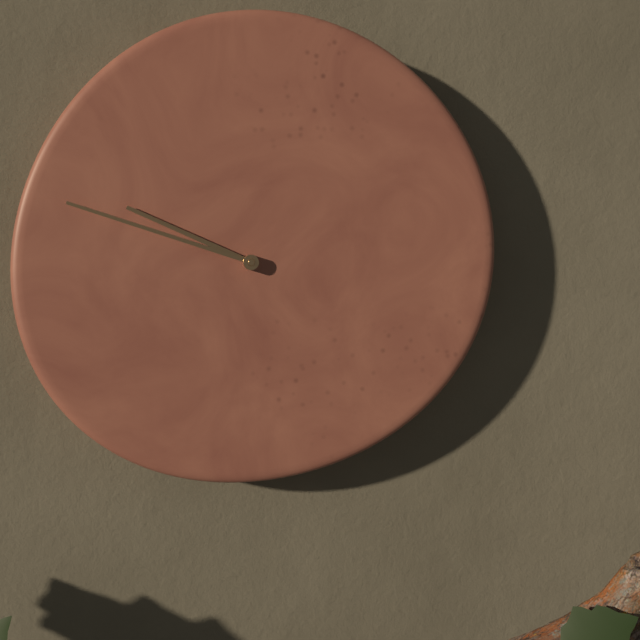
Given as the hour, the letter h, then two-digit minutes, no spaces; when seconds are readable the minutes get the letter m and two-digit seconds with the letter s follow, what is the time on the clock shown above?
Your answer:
9h48
